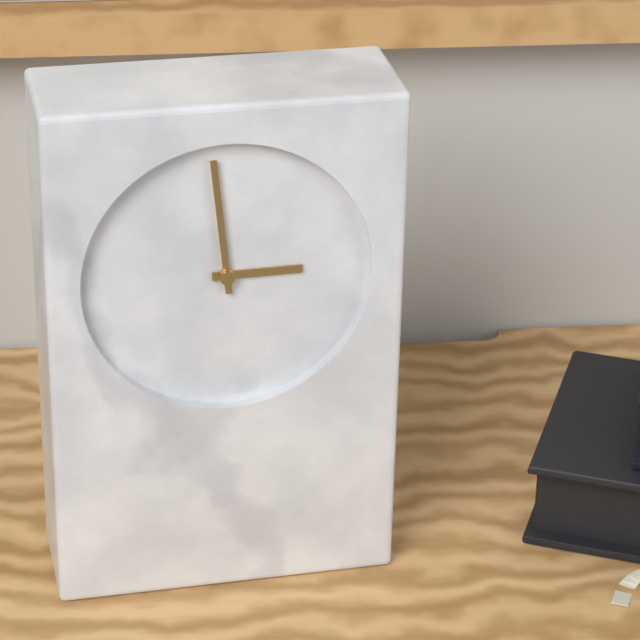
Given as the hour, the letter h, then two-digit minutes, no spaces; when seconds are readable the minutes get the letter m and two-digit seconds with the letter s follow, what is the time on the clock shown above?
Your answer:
2h59
